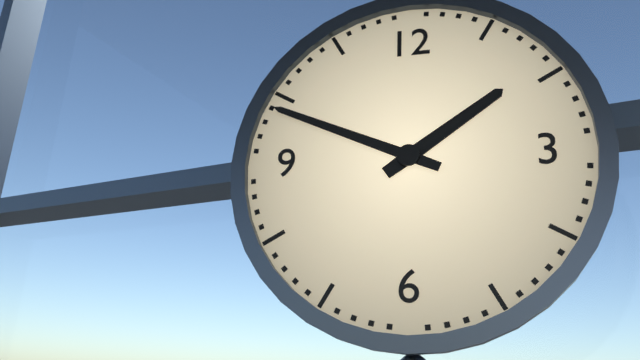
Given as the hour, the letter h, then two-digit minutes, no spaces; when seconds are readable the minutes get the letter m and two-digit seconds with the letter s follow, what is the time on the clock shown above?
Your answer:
1h49
